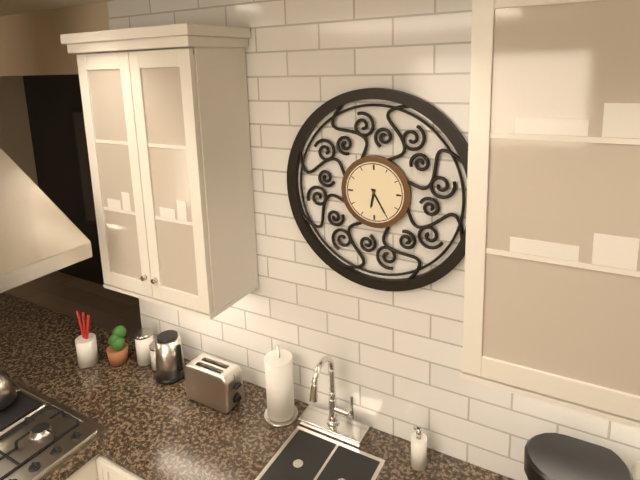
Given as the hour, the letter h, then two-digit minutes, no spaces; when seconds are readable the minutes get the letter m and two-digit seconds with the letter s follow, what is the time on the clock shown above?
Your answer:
6h25
